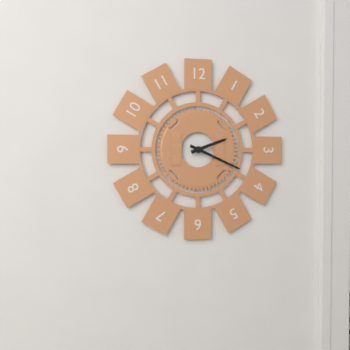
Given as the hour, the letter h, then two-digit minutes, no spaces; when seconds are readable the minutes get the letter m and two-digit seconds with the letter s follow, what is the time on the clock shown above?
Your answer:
2h19
